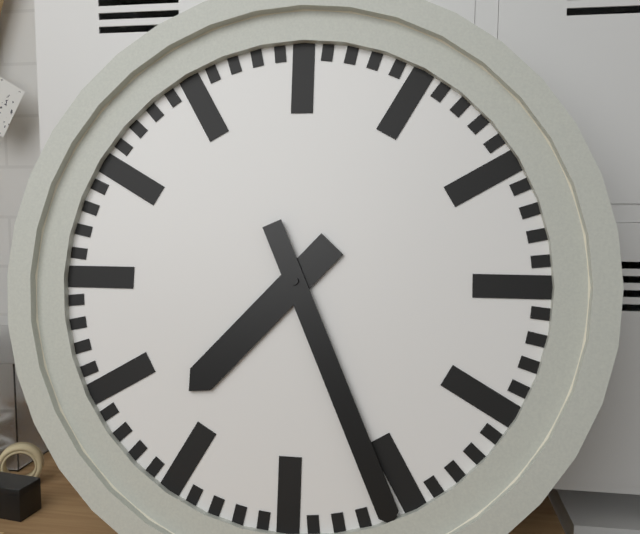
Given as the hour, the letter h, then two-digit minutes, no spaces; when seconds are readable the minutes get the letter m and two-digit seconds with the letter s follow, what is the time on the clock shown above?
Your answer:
7h26
